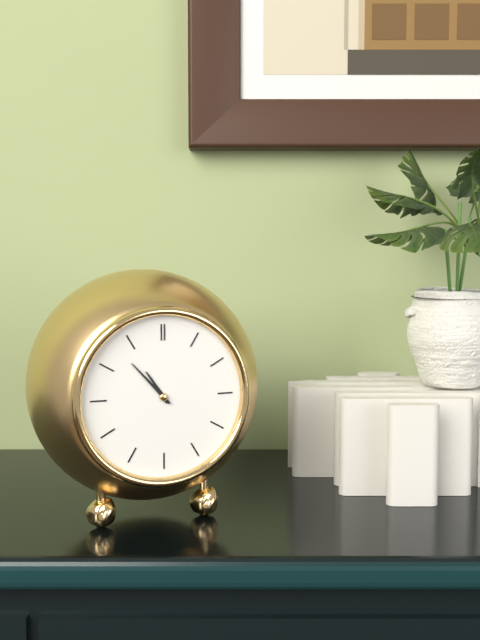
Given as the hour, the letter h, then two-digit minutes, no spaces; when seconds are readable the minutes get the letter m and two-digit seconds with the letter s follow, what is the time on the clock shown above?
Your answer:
10h53
